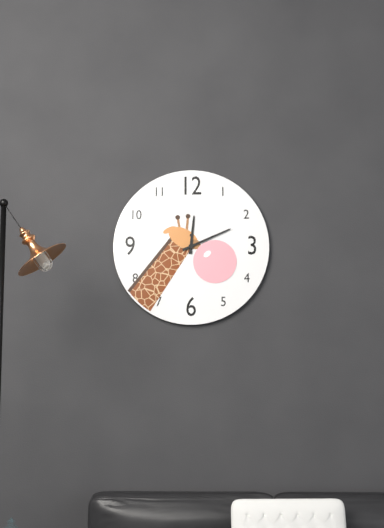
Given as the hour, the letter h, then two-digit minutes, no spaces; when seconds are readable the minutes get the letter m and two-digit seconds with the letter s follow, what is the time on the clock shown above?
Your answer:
12h11
